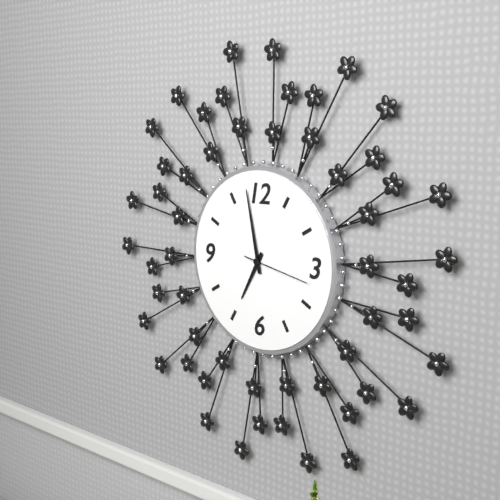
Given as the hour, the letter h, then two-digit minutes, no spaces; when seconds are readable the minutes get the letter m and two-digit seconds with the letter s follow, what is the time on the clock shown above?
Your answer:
6h58m17s
